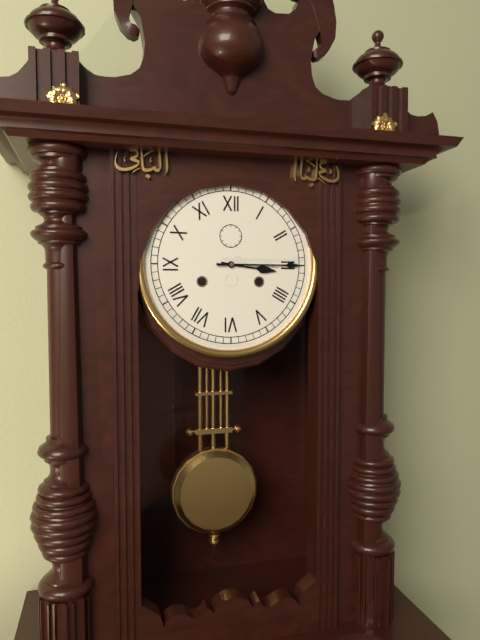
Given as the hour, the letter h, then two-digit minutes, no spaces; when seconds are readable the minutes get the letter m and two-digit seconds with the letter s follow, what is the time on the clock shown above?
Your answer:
3h15
